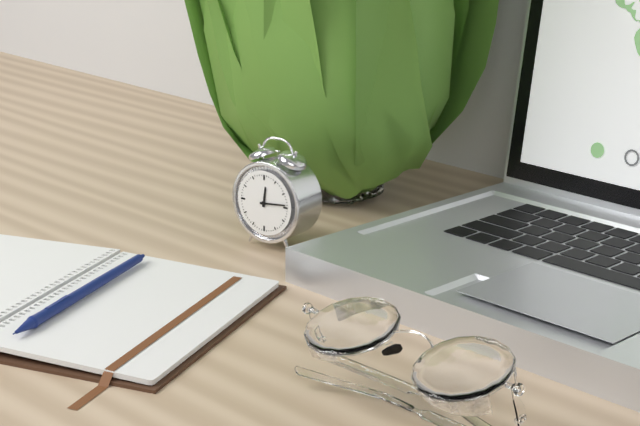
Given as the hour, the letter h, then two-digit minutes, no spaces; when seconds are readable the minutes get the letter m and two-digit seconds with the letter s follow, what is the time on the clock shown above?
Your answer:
12h14
